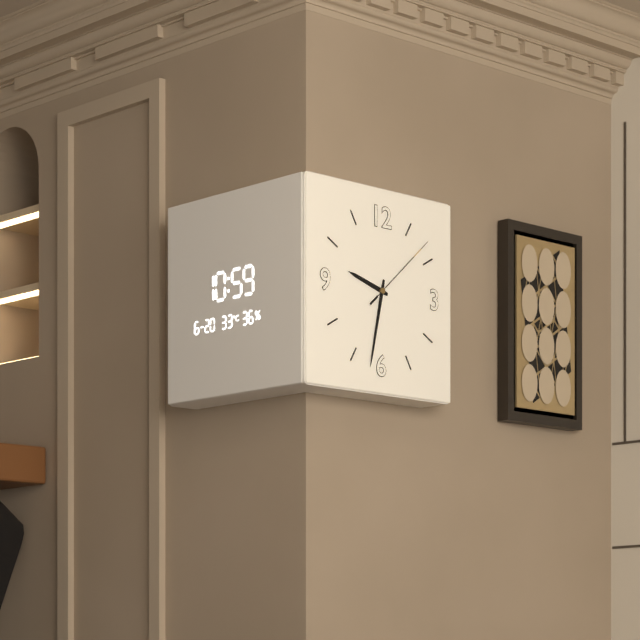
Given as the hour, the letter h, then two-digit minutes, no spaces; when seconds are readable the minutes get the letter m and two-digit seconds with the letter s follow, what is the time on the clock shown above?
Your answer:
9h32m08s
